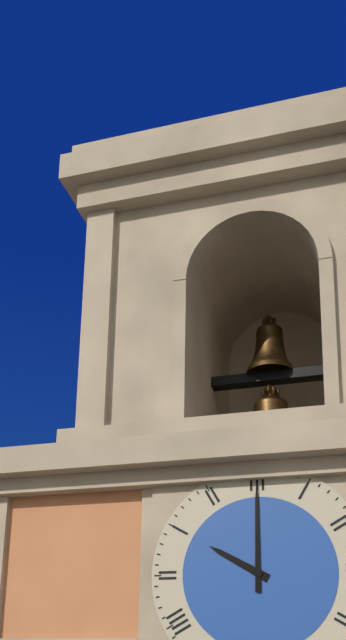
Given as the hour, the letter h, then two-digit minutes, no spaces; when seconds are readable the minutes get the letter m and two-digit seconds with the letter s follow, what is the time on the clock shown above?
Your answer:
10h00
